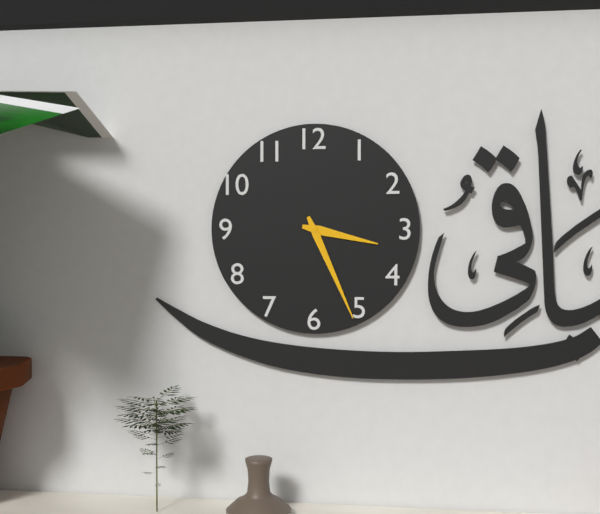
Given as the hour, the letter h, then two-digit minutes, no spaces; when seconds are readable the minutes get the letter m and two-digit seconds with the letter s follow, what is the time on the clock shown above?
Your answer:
3h26
